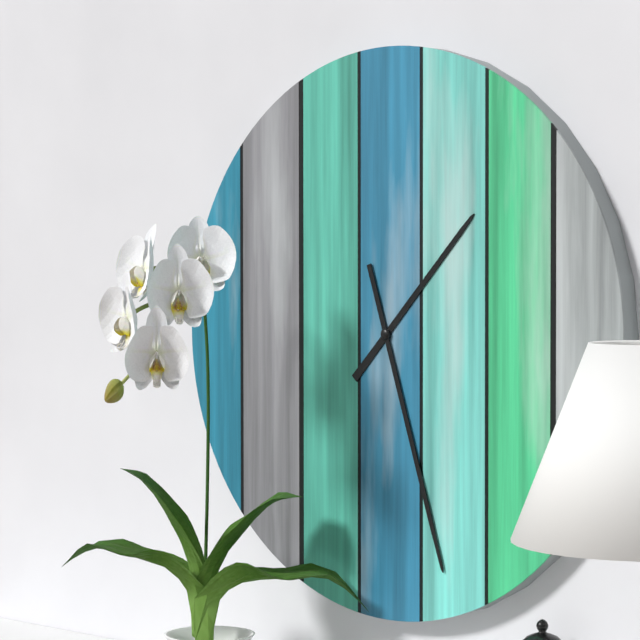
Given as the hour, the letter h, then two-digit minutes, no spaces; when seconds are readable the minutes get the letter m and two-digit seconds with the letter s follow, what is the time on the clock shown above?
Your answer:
1h27
